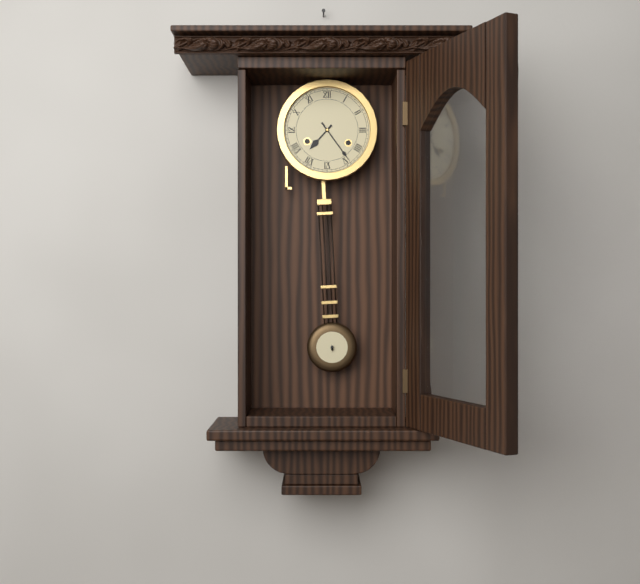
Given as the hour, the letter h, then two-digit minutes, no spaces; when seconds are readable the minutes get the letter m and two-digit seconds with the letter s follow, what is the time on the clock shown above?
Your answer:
7h24
